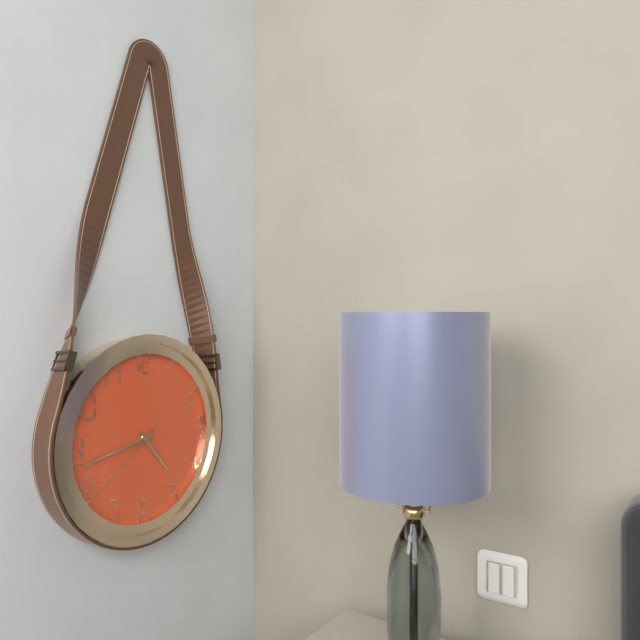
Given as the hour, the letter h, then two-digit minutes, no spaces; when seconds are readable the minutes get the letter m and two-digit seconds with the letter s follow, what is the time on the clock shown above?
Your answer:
4h43m39s
